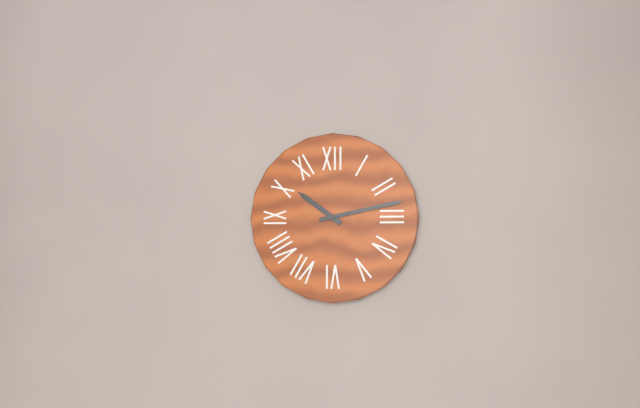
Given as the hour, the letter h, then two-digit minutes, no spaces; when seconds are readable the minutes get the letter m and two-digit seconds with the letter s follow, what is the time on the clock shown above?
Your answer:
10h13
